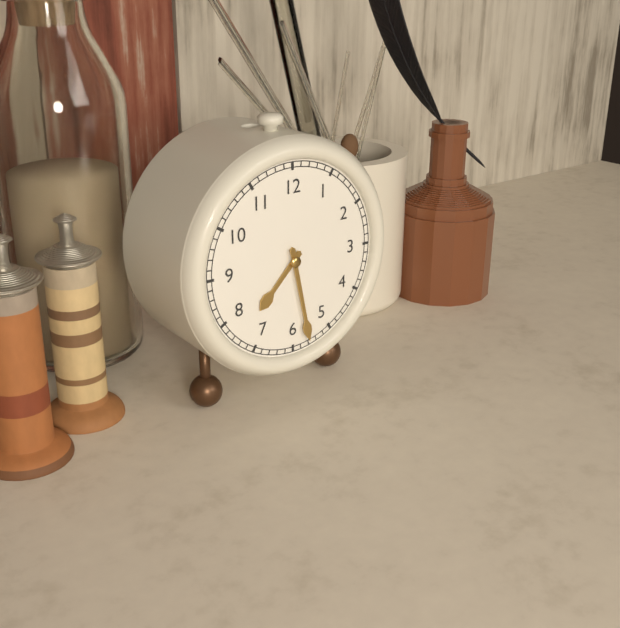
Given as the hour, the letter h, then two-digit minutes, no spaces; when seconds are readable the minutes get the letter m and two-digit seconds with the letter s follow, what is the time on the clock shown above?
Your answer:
7h28
